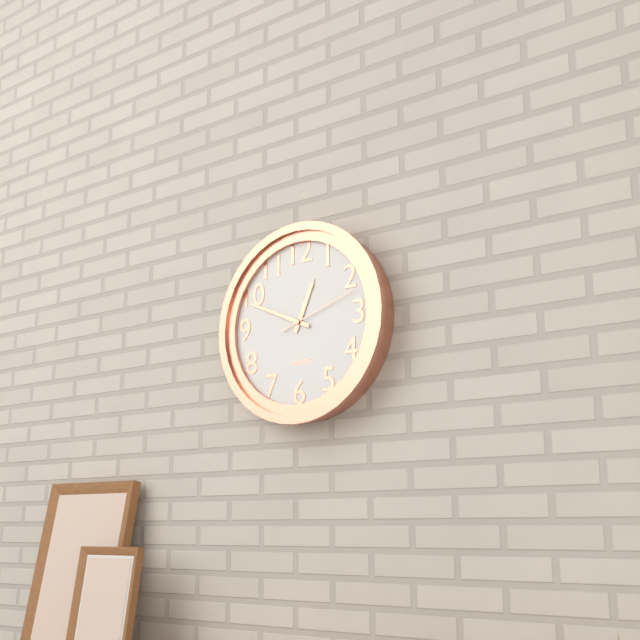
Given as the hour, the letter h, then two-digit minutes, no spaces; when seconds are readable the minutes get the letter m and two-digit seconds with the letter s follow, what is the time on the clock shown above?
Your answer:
12h49m12s
